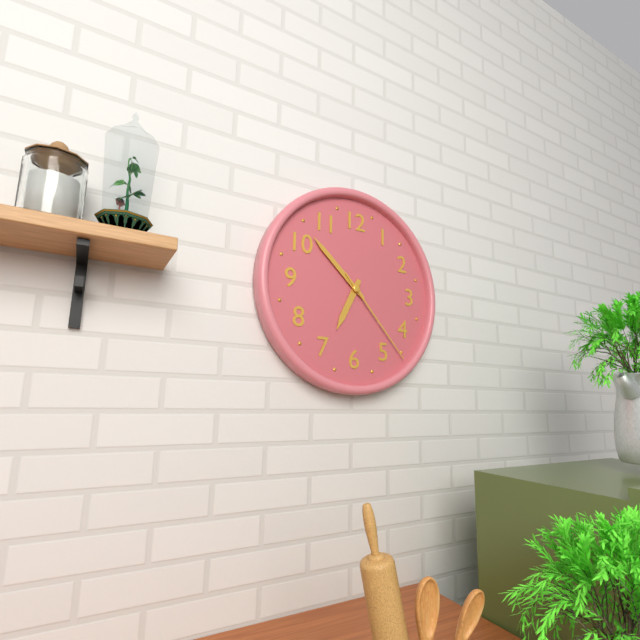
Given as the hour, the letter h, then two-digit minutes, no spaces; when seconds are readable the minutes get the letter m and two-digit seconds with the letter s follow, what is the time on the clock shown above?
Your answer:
6h52m23s
